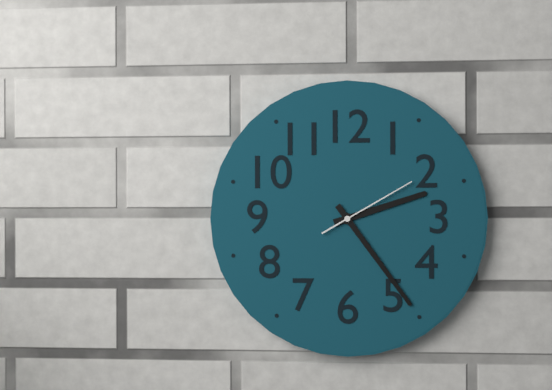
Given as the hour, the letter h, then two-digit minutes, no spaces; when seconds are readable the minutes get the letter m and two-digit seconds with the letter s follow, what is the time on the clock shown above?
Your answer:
2h24m10s
